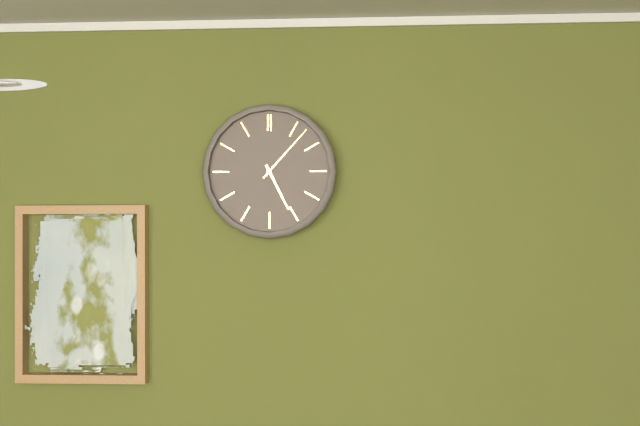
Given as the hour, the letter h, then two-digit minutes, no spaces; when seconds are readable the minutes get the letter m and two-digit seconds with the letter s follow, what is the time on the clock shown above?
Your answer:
5h07
